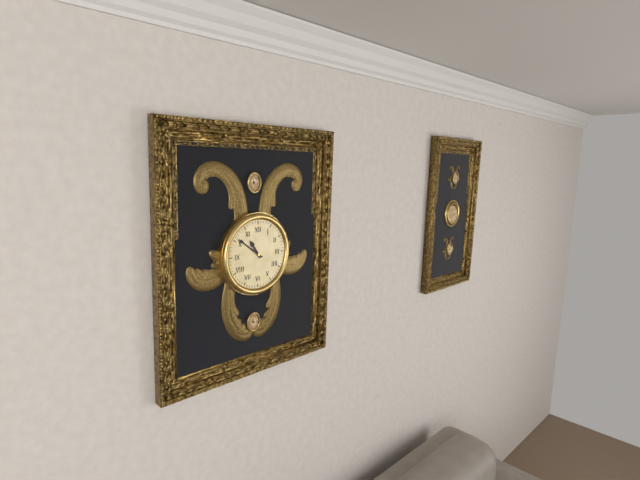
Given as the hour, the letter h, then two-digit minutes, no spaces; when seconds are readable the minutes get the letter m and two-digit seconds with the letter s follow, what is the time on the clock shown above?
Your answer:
10h51
